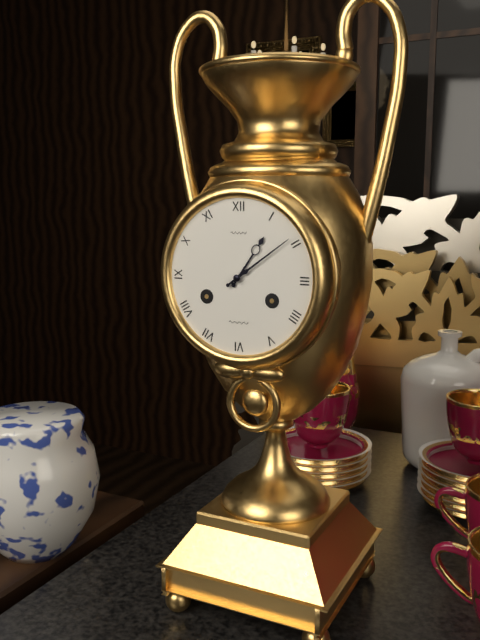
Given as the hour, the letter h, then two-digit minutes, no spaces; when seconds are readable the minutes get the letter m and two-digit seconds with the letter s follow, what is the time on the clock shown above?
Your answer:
1h09
